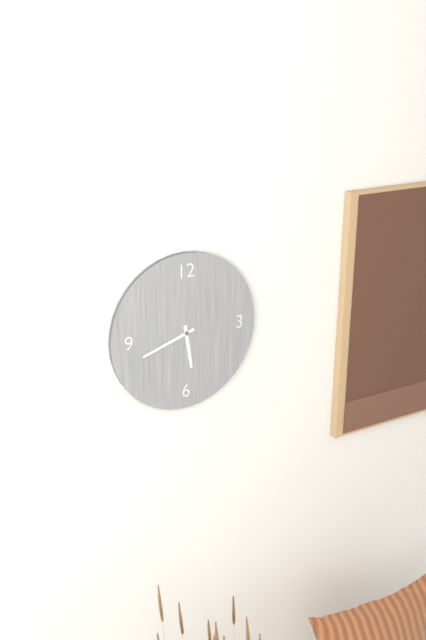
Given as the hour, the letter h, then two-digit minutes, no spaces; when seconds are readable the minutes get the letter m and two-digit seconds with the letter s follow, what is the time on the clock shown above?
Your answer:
5h42
